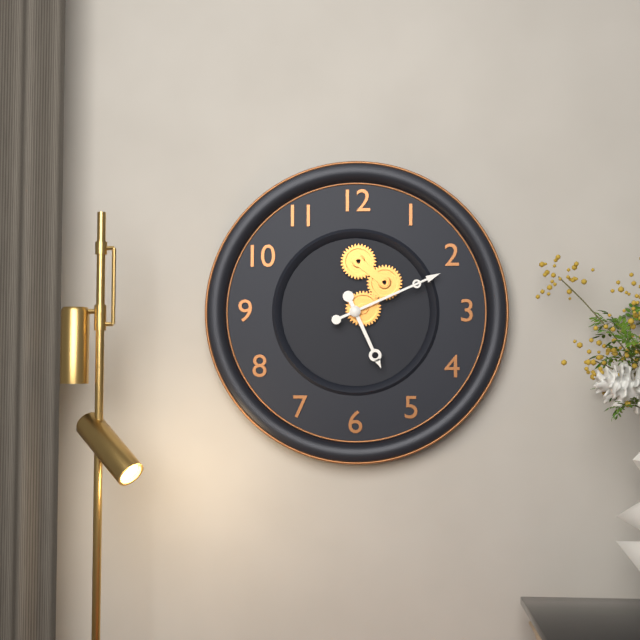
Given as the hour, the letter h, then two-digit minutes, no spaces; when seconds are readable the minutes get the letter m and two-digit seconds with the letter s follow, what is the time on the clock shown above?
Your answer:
5h11
